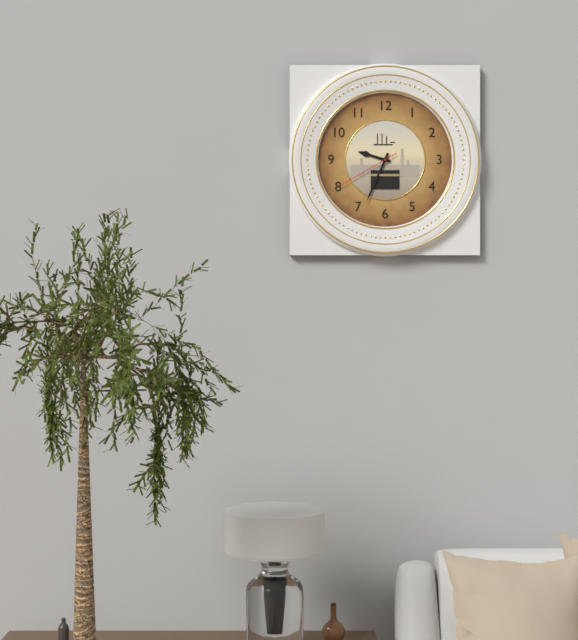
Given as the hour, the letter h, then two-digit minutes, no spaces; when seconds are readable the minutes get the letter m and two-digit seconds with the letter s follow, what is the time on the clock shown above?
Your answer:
9h34m40s
